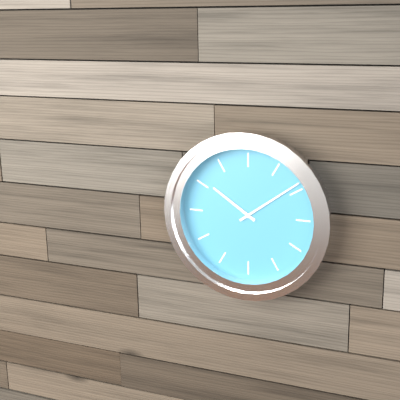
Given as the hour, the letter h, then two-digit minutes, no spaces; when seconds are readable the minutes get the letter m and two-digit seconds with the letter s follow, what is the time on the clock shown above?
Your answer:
10h09
